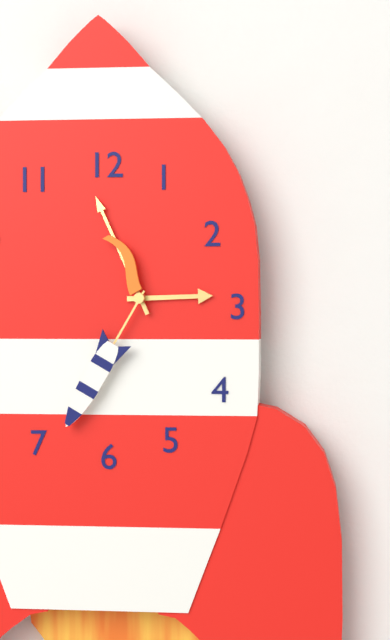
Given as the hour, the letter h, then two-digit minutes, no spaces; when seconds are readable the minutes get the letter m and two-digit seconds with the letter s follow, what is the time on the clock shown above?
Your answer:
2h56m35s
